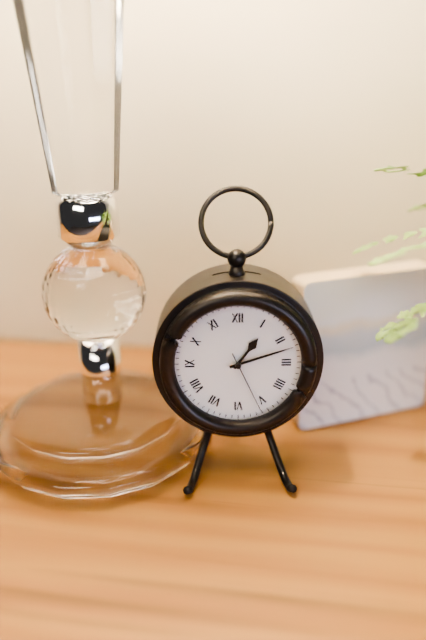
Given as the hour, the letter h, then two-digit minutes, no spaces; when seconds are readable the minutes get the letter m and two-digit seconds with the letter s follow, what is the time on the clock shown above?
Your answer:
1h12m26s
